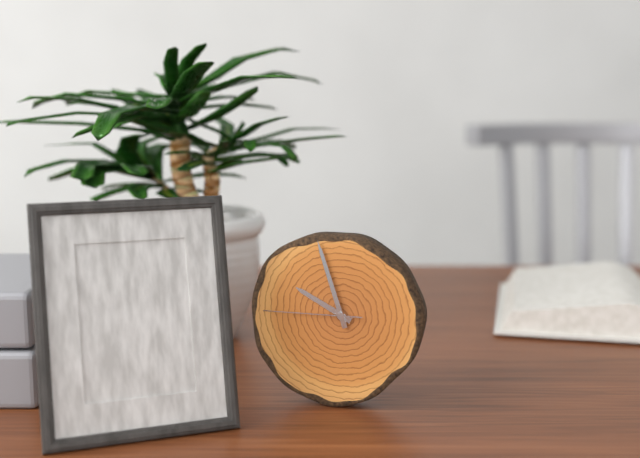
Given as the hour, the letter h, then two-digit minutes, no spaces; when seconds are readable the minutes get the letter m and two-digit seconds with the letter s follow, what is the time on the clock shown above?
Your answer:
9h57m45s
